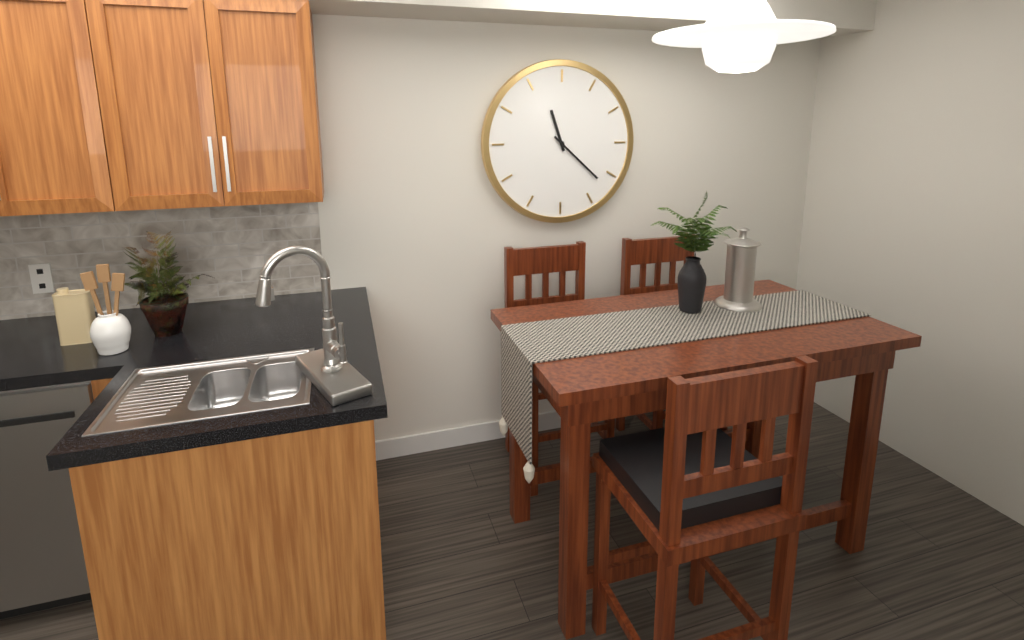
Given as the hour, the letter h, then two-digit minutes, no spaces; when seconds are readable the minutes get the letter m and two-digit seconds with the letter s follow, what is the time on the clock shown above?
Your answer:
11h22
